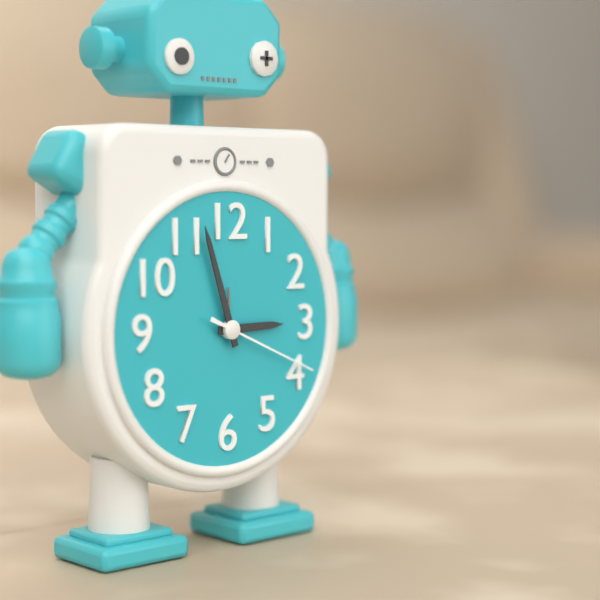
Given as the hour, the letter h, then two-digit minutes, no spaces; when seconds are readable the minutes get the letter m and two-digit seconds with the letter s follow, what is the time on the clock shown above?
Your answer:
2h57m19s
